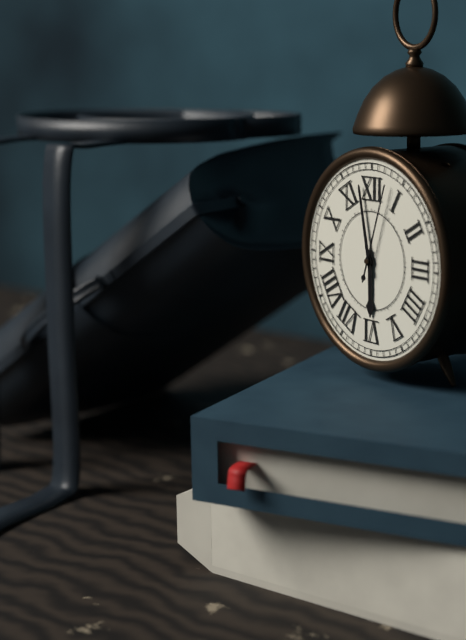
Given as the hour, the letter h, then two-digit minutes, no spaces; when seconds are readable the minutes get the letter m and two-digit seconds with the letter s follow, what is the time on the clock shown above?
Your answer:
5h58m03s
